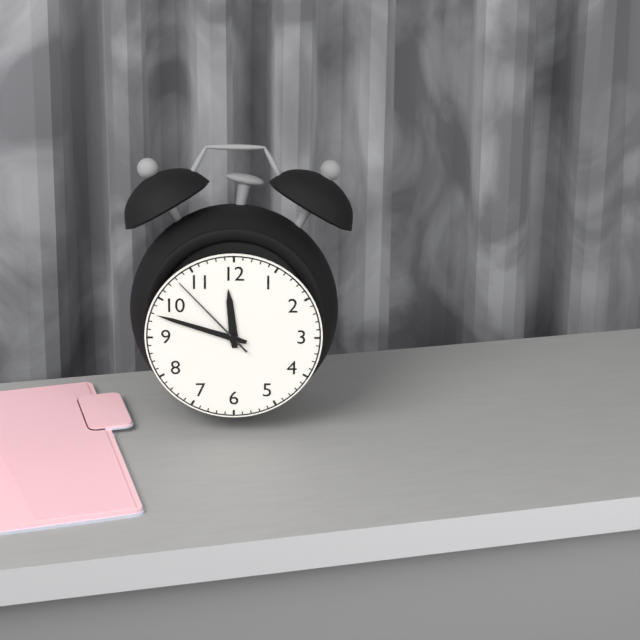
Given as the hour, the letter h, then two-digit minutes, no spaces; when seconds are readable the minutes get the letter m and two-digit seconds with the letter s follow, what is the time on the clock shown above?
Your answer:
11h48m53s
